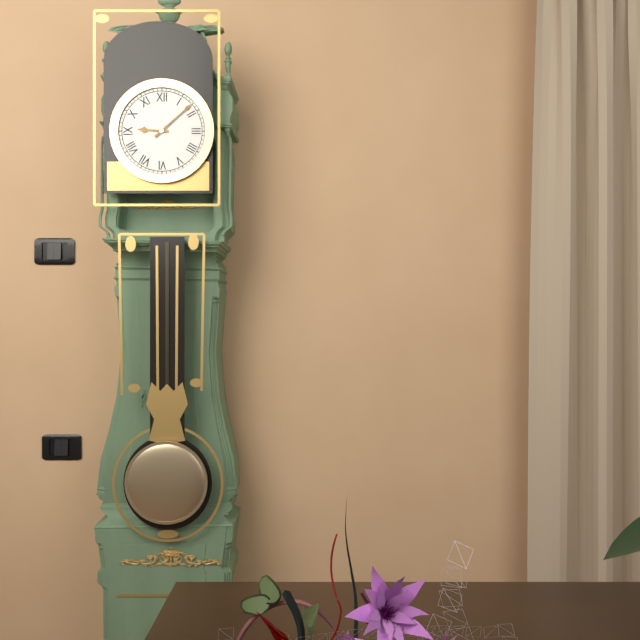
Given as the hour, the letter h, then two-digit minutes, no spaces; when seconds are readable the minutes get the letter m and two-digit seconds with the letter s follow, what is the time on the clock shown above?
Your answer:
9h08
